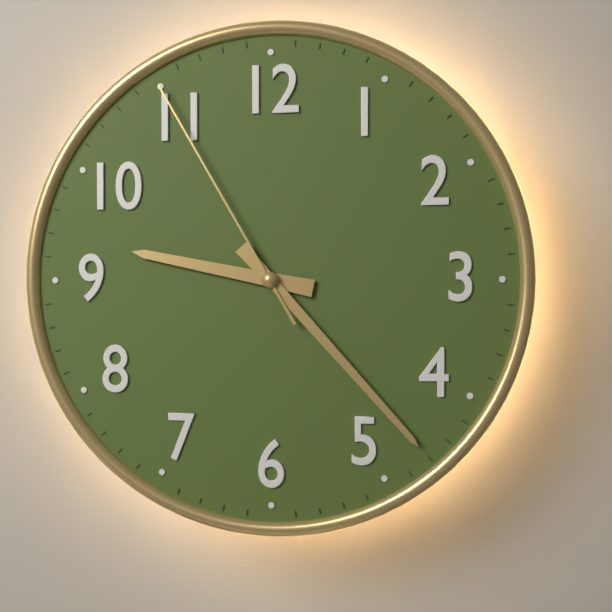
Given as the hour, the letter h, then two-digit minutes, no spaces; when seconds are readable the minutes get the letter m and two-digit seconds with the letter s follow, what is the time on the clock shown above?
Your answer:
9h23m55s
